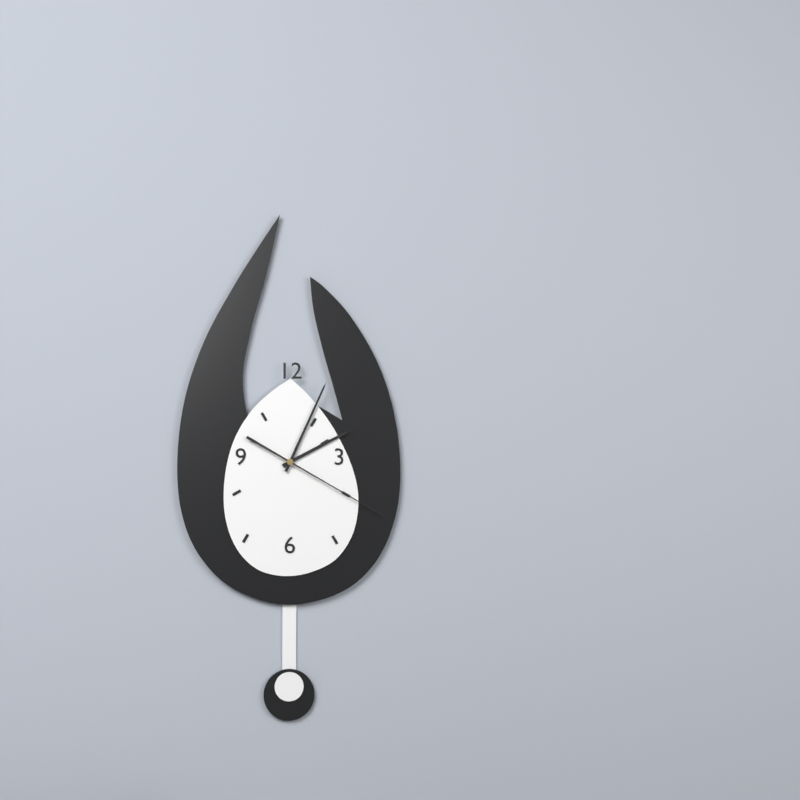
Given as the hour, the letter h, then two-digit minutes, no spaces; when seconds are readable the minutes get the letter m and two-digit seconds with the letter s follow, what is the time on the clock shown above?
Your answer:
2h04m20s
